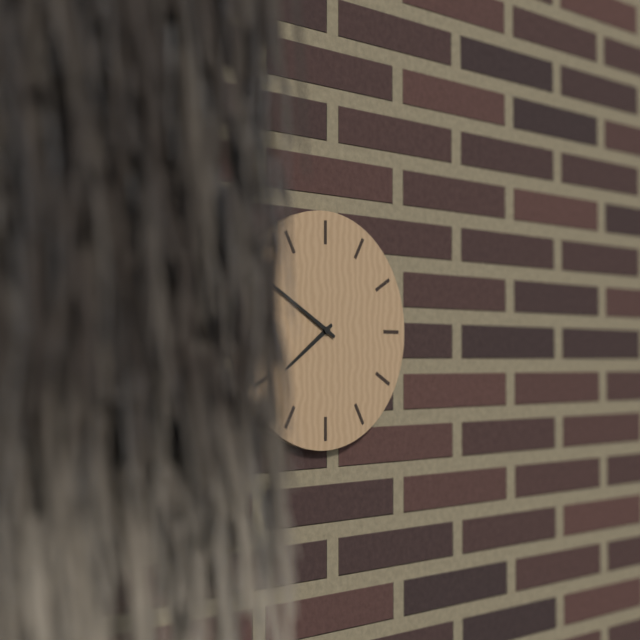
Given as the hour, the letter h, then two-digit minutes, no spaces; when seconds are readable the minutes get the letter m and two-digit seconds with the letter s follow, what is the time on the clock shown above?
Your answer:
7h50
